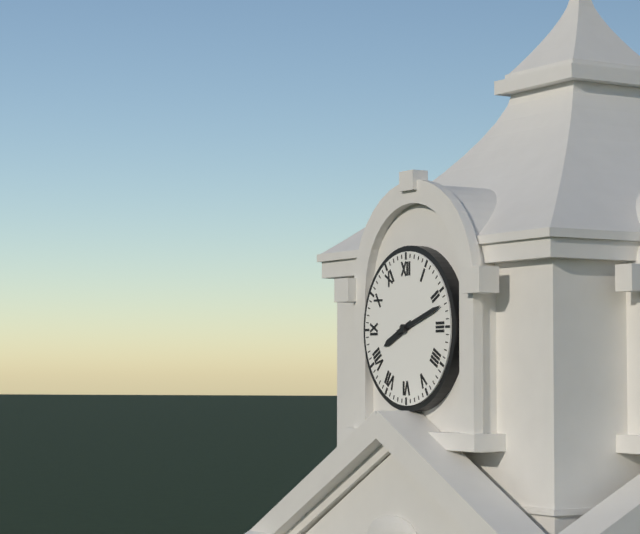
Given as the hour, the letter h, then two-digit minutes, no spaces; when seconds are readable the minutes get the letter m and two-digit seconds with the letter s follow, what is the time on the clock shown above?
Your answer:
8h12
